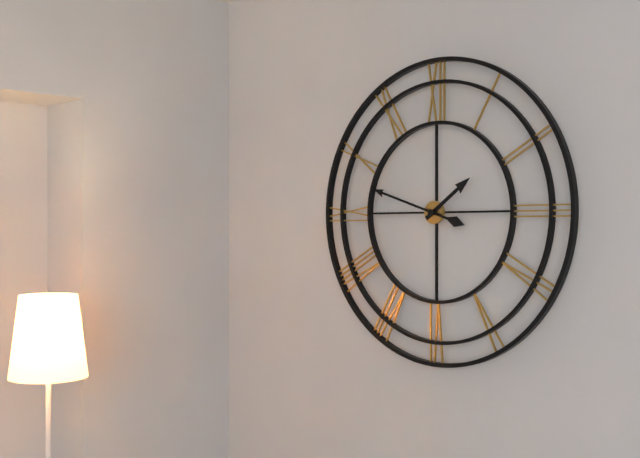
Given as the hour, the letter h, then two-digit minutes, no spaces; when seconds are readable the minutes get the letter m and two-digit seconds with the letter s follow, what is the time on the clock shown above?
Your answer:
1h48
